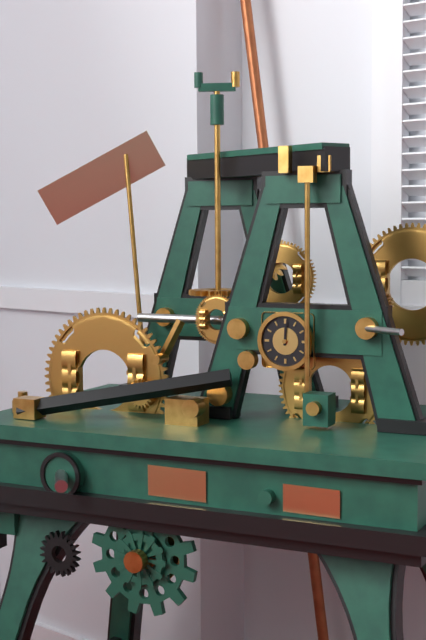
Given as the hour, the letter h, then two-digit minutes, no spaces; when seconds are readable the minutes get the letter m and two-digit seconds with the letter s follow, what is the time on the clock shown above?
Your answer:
12h01
